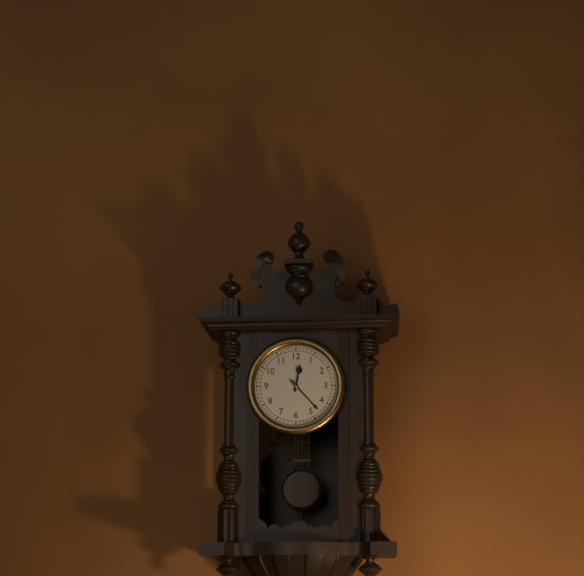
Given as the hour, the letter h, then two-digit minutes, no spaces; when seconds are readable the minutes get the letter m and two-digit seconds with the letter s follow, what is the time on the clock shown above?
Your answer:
12h23
